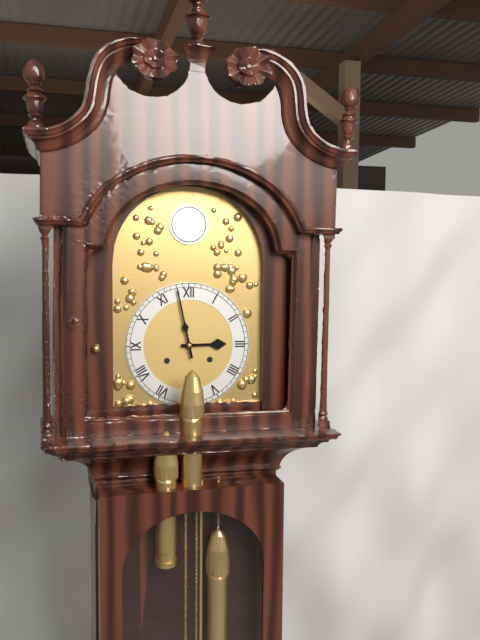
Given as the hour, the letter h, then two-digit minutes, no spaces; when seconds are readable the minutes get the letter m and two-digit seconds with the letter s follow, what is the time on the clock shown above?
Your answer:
2h58
